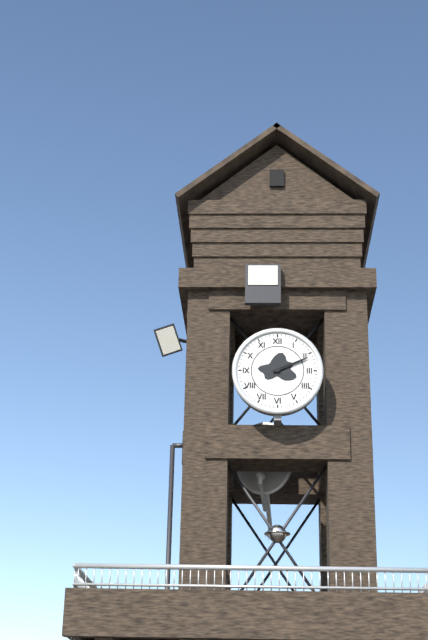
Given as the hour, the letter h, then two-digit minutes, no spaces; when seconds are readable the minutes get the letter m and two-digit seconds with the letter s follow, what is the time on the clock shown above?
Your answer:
2h11
